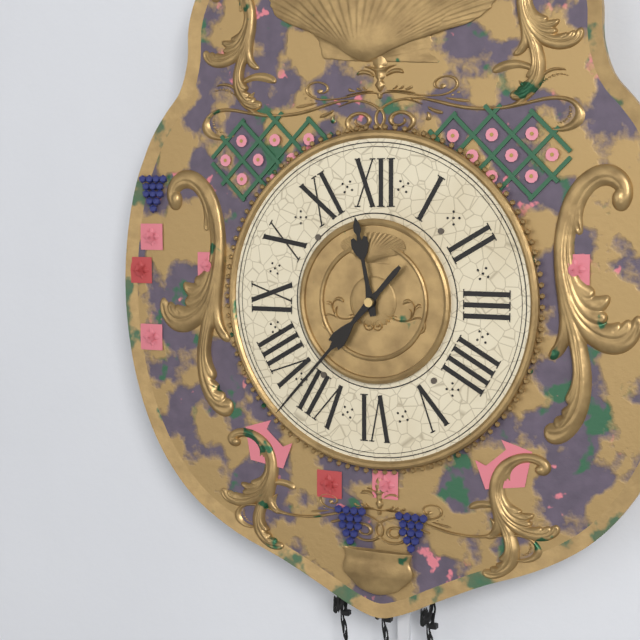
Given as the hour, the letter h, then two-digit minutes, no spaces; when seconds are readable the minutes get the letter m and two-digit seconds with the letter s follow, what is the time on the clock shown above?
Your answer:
11h37
